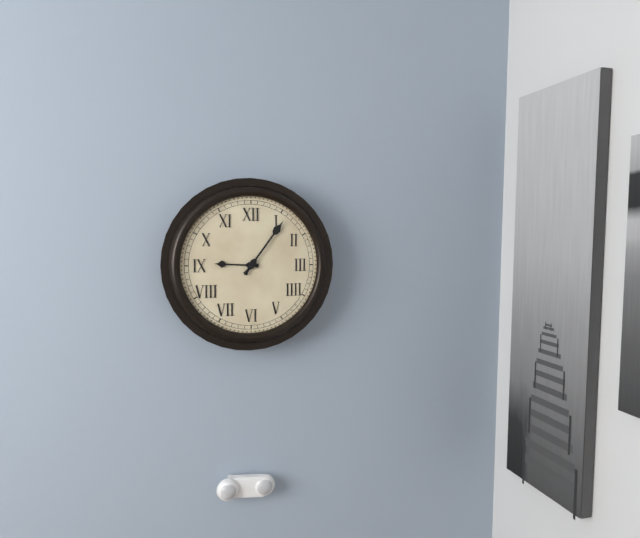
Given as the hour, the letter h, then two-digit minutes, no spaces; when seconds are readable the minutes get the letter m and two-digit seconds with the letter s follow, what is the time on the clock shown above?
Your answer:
9h06
